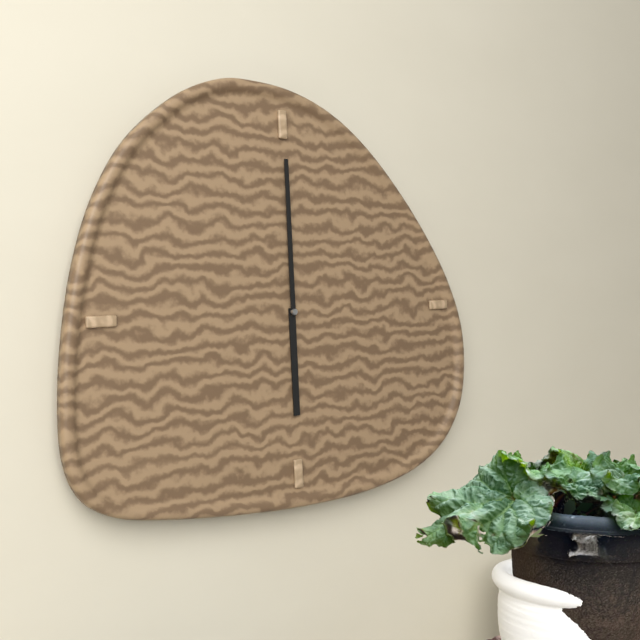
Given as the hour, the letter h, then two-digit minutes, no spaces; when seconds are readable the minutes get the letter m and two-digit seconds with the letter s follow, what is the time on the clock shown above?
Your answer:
6h00
